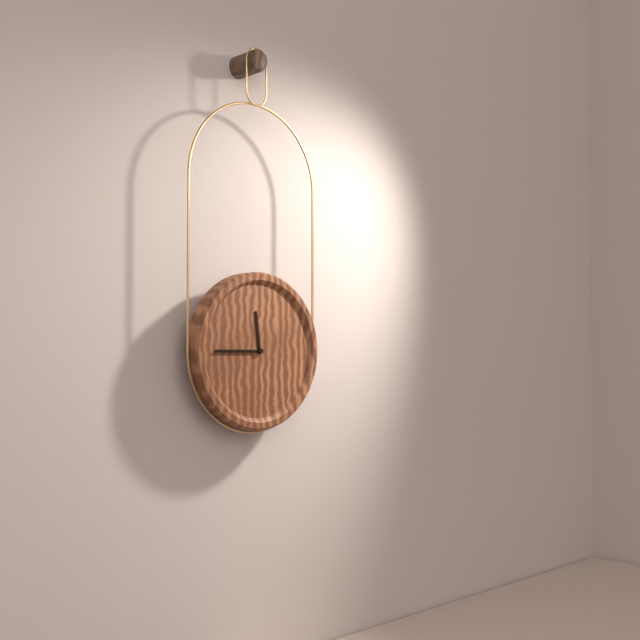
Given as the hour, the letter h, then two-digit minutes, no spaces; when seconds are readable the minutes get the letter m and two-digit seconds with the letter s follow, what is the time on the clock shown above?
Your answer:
11h45
